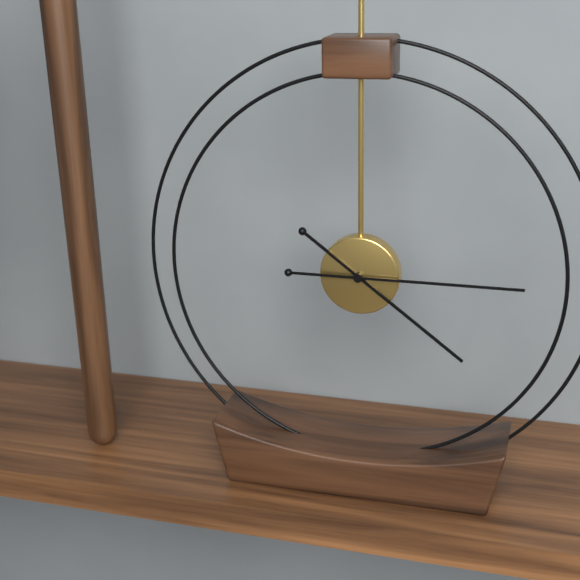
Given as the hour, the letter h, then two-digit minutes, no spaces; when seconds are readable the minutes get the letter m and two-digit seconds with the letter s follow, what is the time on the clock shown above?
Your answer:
4h15
